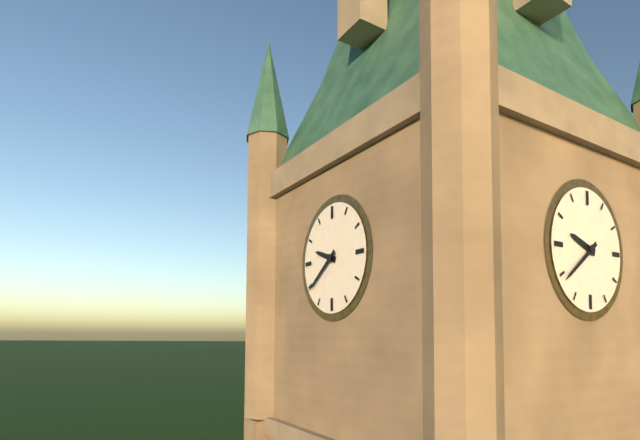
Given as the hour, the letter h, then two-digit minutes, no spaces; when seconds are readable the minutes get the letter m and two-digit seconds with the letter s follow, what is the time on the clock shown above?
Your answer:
9h39
